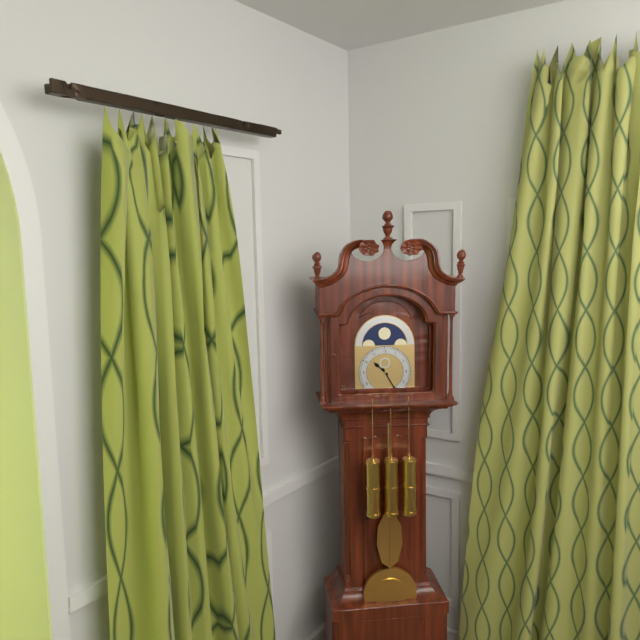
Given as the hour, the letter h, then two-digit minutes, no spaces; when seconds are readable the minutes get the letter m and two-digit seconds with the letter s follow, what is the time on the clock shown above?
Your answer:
10h25
